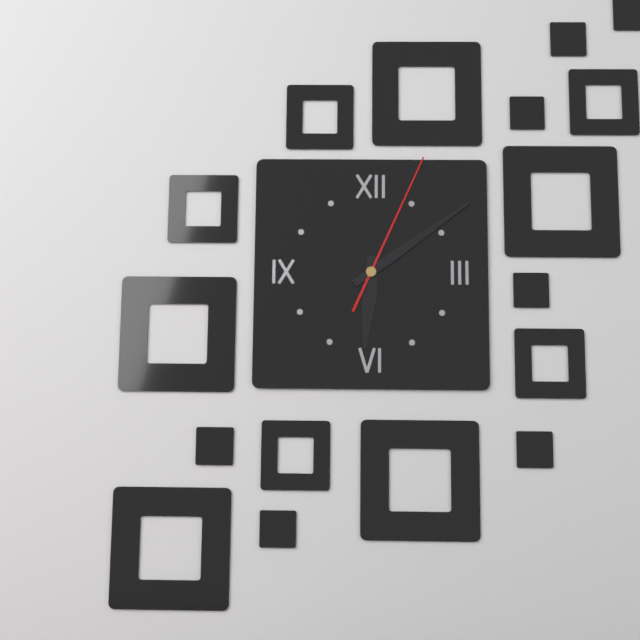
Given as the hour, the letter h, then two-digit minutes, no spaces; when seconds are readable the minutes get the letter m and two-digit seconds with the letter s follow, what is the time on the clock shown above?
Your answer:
6h09m04s
